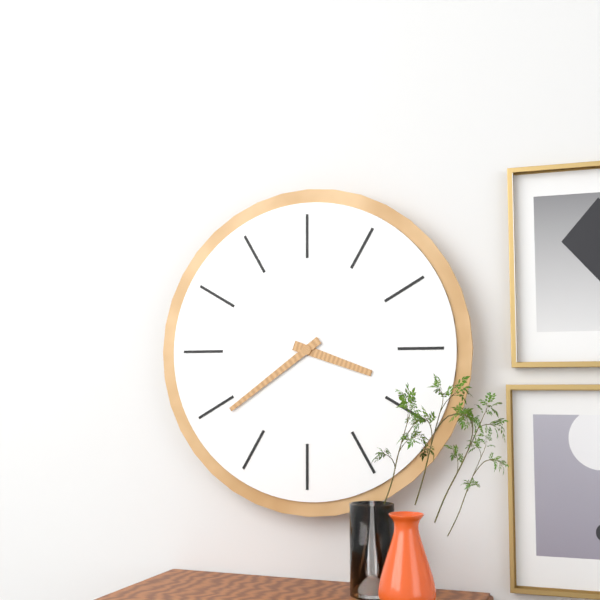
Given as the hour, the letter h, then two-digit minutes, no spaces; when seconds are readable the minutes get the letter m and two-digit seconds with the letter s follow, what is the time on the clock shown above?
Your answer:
3h39
